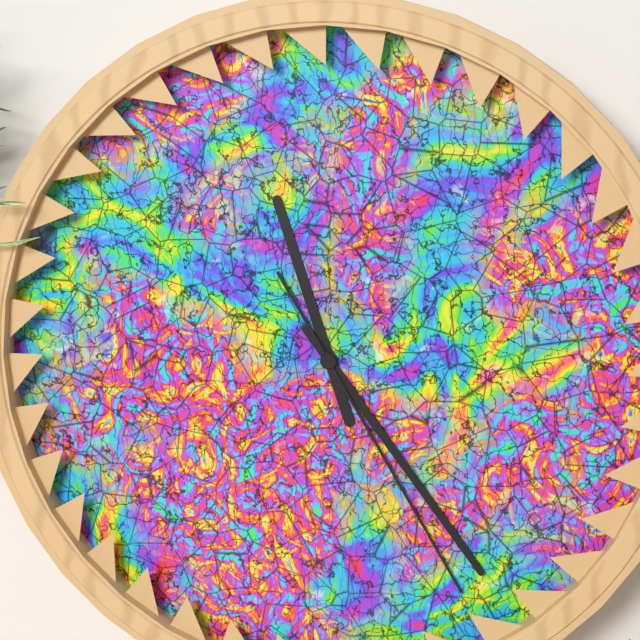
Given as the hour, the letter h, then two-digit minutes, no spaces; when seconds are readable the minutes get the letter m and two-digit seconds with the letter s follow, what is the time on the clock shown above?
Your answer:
11h24m25s
